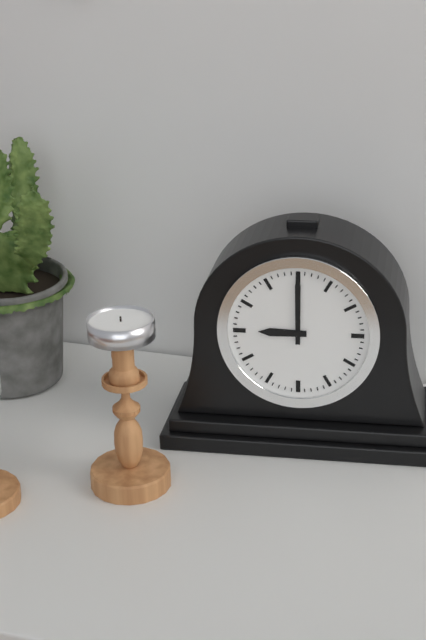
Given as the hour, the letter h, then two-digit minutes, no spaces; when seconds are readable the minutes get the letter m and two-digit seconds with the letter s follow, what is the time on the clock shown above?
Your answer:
9h00
